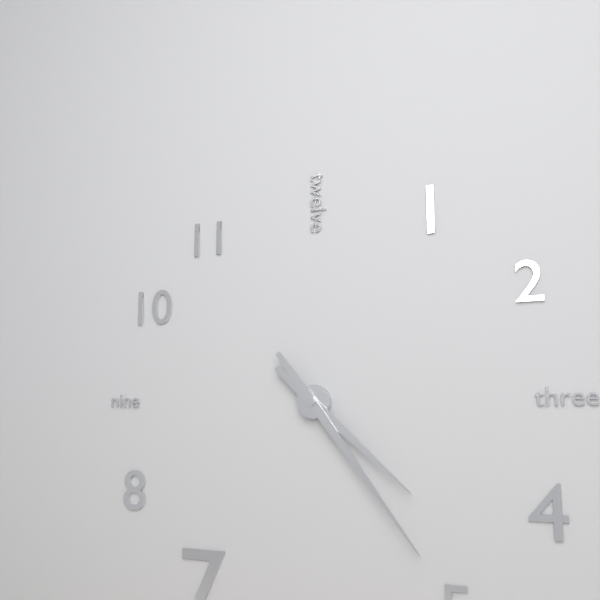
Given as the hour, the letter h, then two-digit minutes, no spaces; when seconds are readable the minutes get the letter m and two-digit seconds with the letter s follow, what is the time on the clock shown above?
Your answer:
4h24
